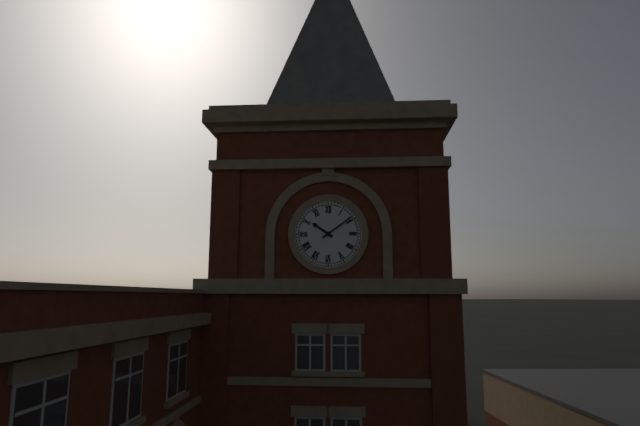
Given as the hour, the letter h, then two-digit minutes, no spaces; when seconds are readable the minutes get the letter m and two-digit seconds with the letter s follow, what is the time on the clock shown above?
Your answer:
10h09
